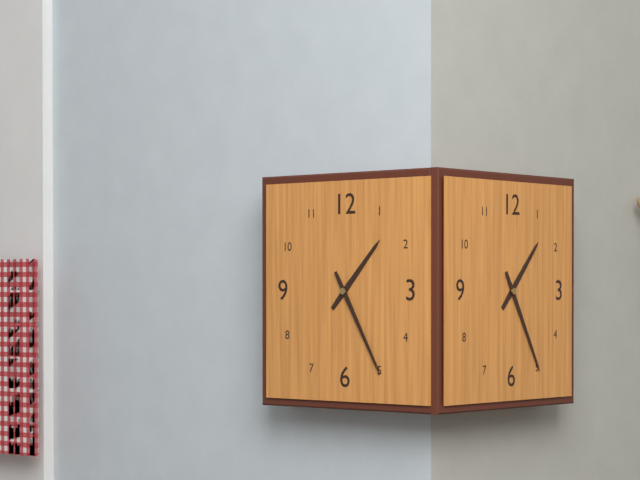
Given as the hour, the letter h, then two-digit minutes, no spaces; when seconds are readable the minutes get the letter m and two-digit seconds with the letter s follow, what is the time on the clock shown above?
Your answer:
1h25
